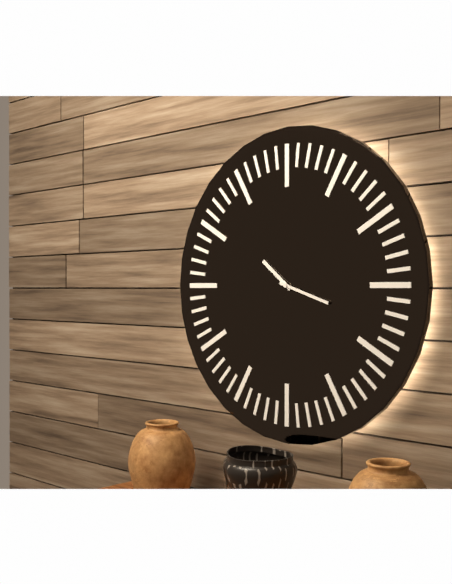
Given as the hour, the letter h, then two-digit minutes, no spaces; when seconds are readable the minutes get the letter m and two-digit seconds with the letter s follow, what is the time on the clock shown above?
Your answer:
10h18
